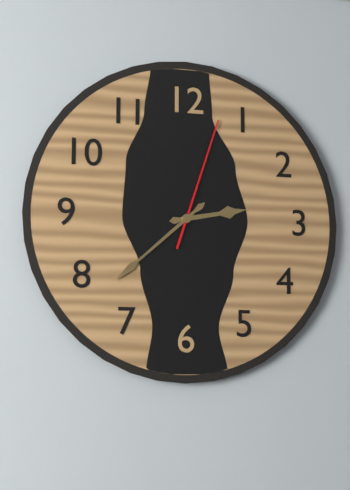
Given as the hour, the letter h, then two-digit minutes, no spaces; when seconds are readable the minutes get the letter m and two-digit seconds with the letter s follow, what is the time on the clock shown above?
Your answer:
2h38m03s
